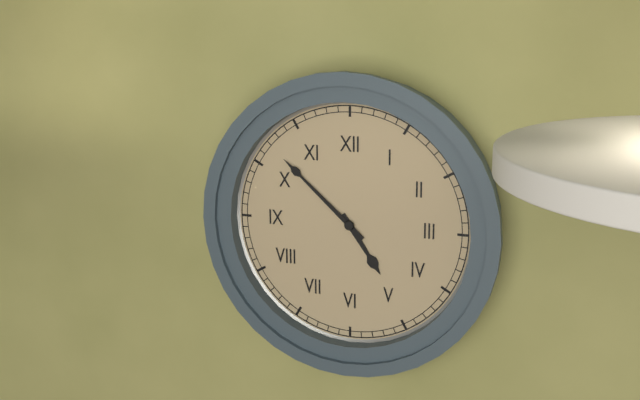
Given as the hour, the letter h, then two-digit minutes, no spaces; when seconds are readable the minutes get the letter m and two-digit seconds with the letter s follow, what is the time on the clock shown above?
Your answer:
4h52
